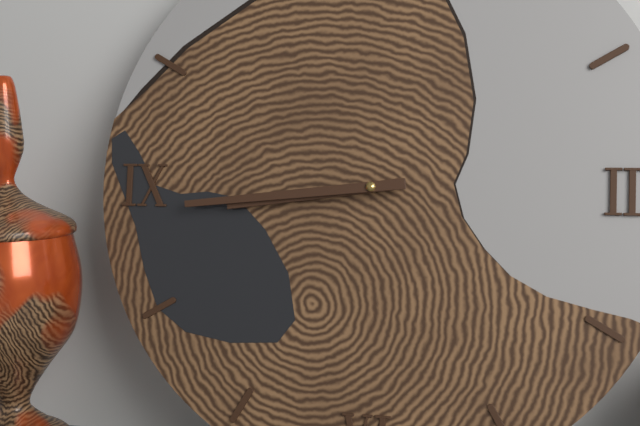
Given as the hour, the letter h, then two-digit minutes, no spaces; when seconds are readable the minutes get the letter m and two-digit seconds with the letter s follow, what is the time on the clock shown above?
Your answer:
8h44
